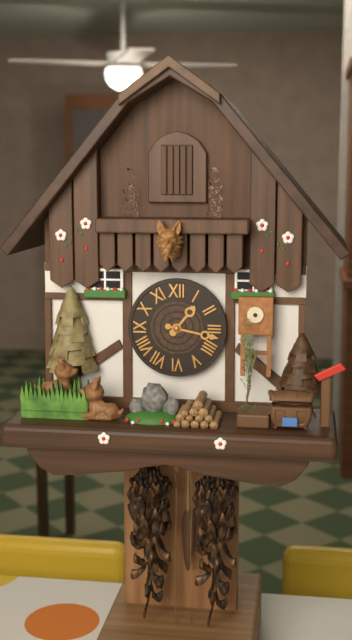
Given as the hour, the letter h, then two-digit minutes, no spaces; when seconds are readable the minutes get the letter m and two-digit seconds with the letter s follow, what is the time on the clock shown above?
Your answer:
1h17
